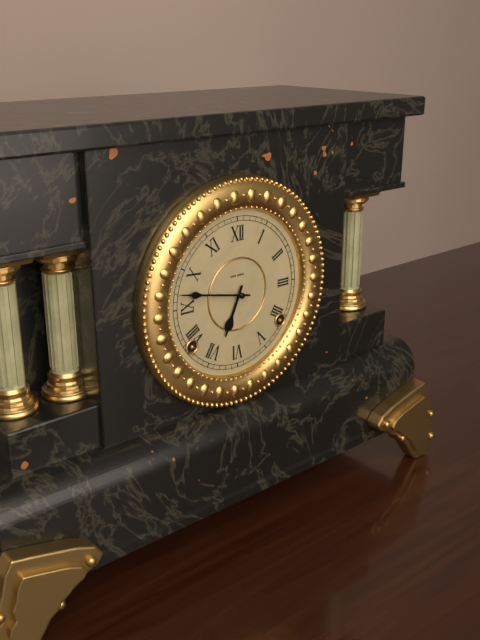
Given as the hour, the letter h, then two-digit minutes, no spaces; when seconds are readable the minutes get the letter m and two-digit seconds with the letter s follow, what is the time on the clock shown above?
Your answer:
6h47
